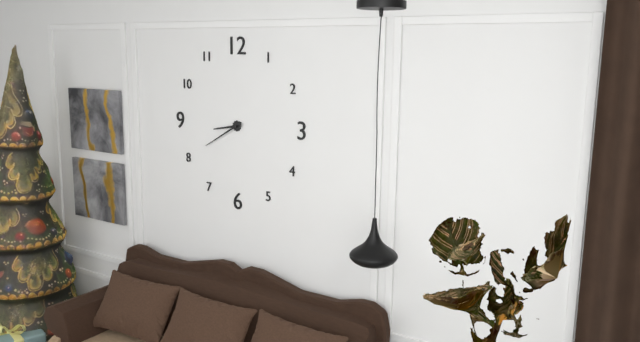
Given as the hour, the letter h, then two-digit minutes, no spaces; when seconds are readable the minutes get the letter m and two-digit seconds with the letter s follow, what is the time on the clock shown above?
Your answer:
8h40
